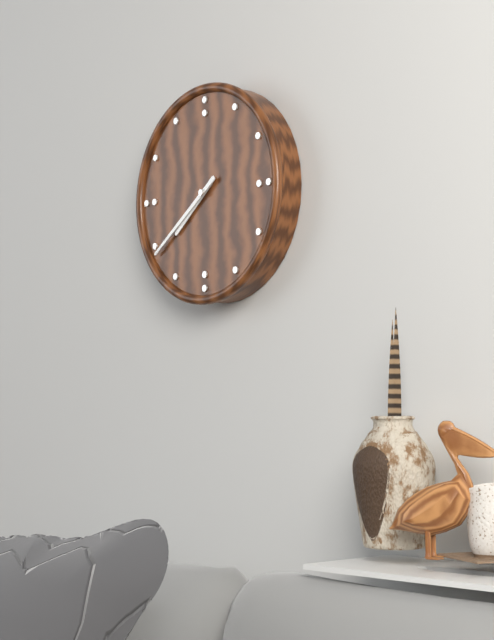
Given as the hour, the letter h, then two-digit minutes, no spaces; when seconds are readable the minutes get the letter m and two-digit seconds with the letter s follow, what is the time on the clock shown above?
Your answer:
7h39
